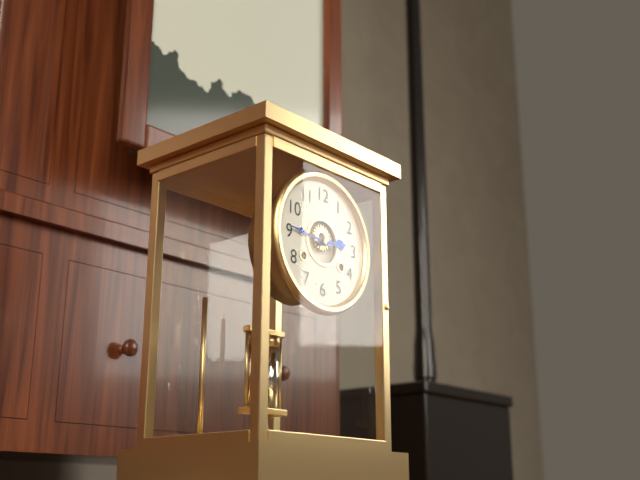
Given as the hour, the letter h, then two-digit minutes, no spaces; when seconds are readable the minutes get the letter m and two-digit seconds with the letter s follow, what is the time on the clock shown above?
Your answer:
2h46
